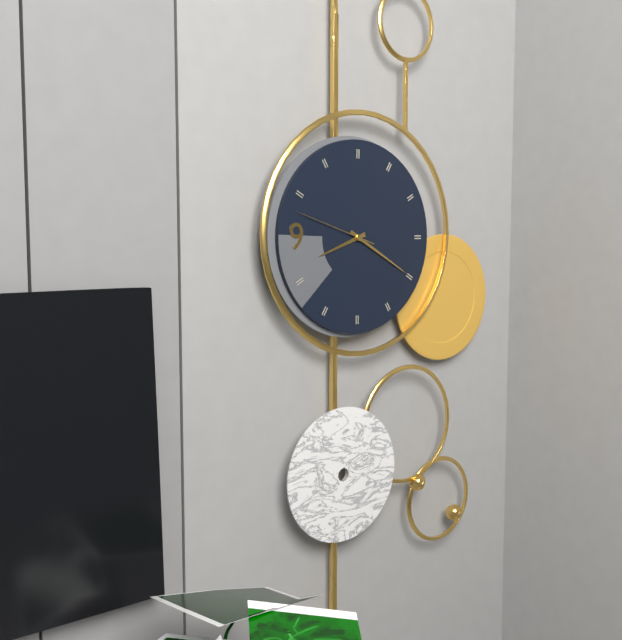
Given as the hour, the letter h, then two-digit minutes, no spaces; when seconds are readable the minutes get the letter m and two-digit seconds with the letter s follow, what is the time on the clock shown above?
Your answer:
8h20m48s
